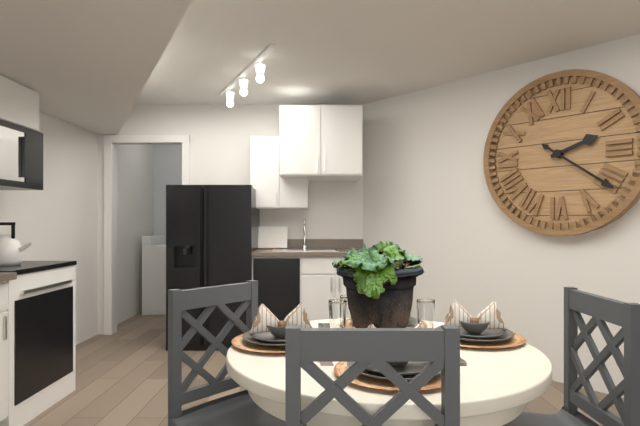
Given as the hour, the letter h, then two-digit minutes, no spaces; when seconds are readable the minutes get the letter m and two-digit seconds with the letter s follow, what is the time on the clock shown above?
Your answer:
2h21
